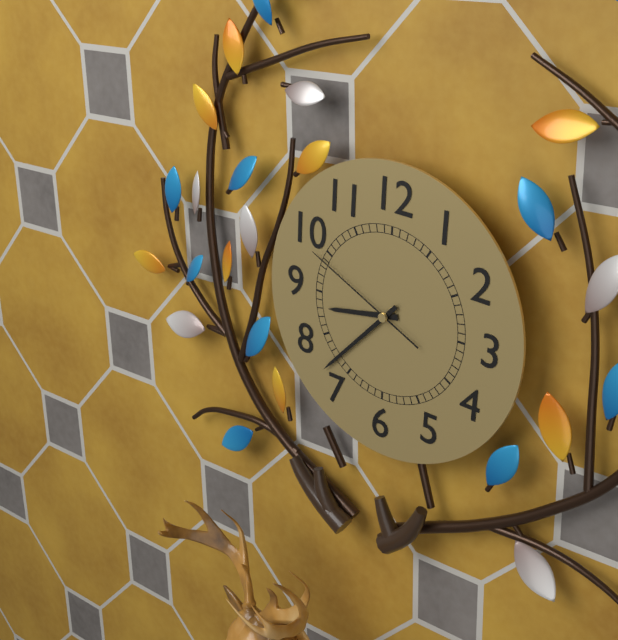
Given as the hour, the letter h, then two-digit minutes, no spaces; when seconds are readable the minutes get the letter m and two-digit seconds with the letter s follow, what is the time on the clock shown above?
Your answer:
8h37m49s
